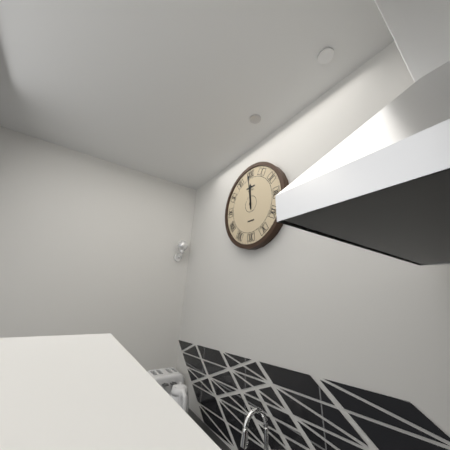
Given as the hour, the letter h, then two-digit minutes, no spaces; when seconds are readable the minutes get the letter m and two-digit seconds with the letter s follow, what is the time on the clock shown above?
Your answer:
11h59
